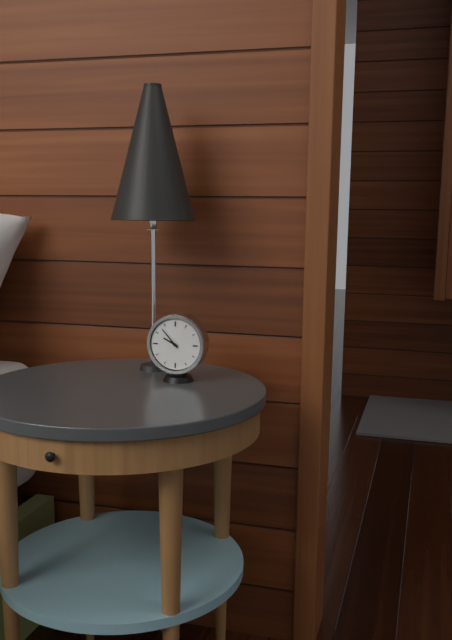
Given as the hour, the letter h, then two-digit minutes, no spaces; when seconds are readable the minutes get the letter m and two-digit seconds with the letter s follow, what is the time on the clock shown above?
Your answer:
9h53
